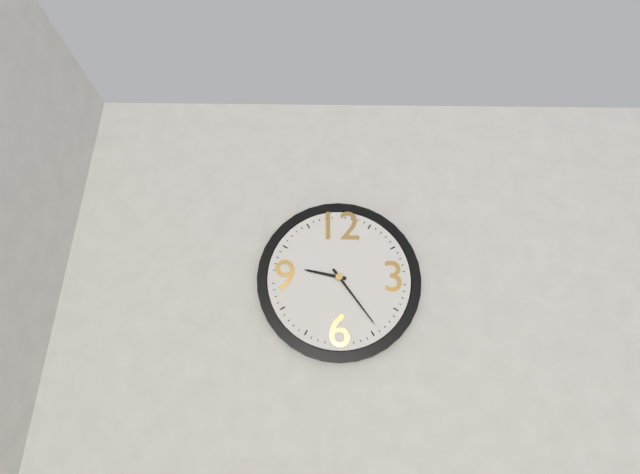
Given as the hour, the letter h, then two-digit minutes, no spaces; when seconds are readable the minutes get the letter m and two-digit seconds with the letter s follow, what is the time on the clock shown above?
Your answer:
9h24
